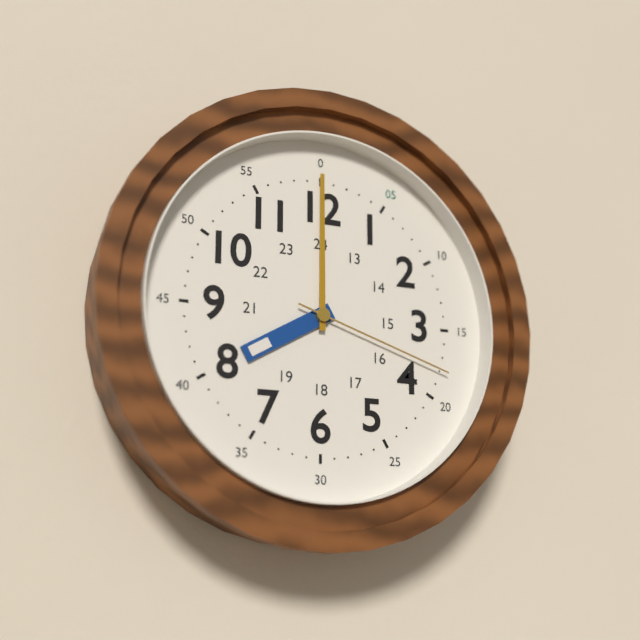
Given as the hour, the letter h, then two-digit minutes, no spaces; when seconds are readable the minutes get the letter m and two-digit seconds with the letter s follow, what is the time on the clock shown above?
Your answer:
8h00m18s
